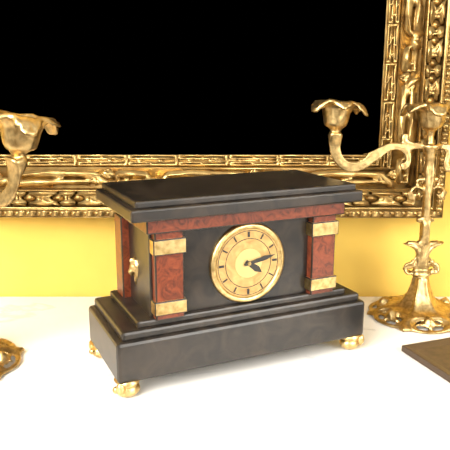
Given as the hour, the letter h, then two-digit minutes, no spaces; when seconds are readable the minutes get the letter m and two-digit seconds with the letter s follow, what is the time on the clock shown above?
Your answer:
4h13
